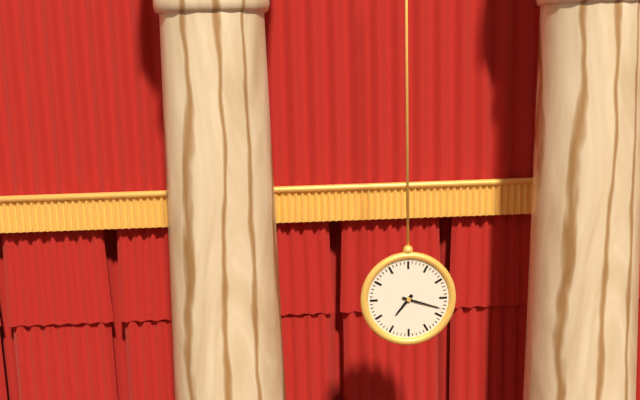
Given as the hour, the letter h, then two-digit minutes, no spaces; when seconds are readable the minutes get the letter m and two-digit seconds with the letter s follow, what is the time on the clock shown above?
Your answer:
7h18
